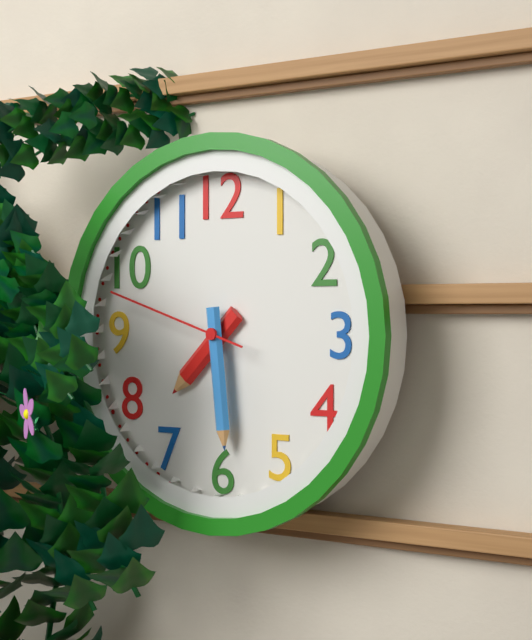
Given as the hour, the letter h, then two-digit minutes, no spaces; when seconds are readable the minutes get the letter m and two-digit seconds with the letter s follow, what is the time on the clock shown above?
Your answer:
7h29m48s
